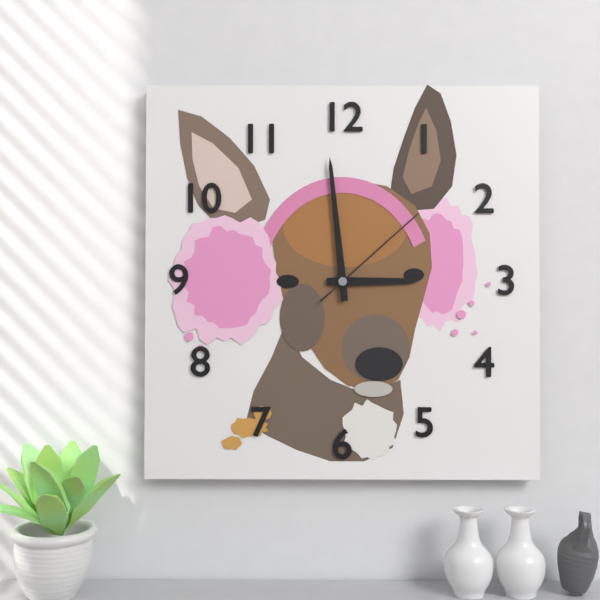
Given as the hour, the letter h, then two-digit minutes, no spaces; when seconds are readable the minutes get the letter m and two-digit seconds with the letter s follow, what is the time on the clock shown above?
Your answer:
2h59m08s
